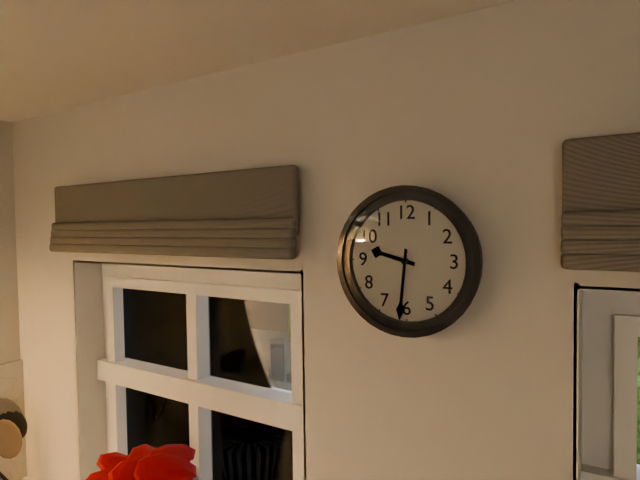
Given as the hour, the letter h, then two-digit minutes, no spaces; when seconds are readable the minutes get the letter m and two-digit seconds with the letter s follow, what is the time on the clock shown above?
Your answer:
9h31
